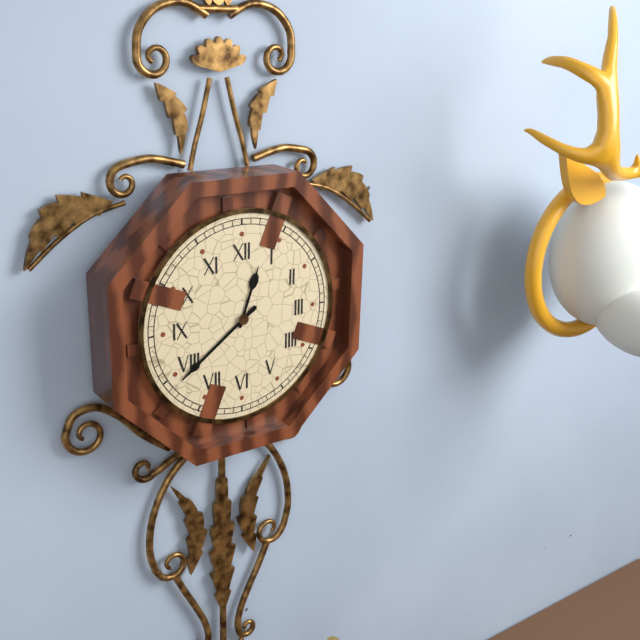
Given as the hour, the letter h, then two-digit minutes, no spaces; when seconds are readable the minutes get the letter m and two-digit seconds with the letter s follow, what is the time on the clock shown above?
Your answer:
12h39
